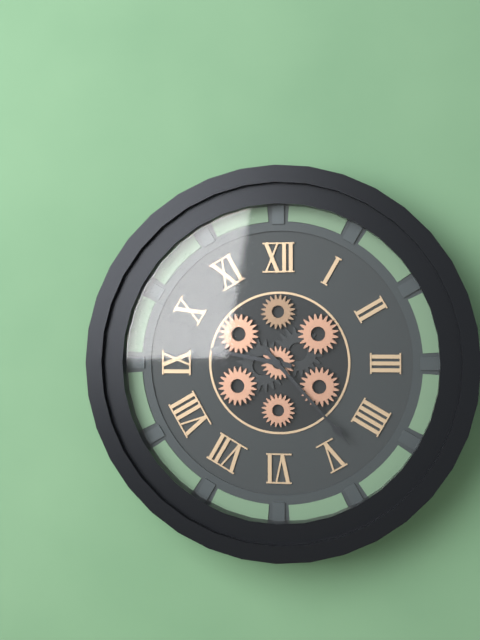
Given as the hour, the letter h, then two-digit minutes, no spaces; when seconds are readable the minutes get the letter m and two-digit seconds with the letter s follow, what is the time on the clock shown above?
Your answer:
9h23
